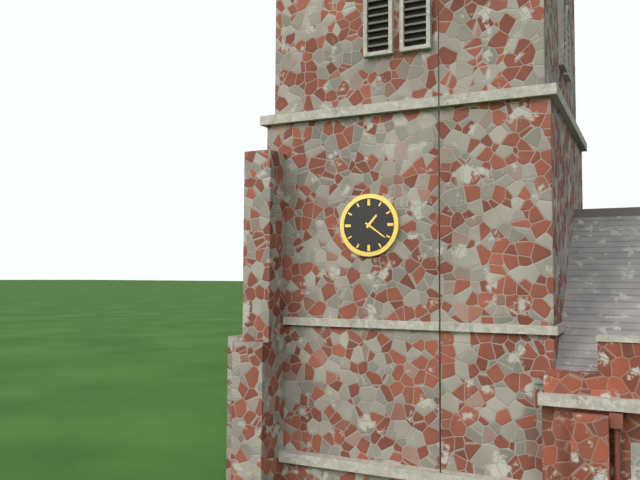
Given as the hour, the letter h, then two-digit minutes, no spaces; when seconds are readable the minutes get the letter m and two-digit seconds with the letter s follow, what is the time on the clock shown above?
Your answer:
1h21
